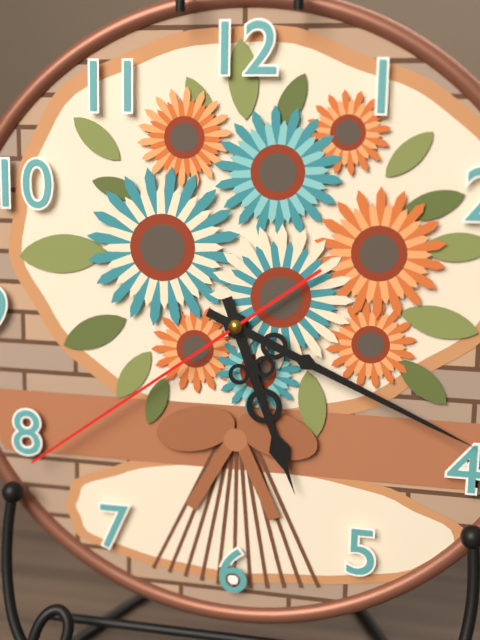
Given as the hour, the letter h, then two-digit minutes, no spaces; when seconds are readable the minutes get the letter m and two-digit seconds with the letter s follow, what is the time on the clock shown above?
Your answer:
5h19m39s
